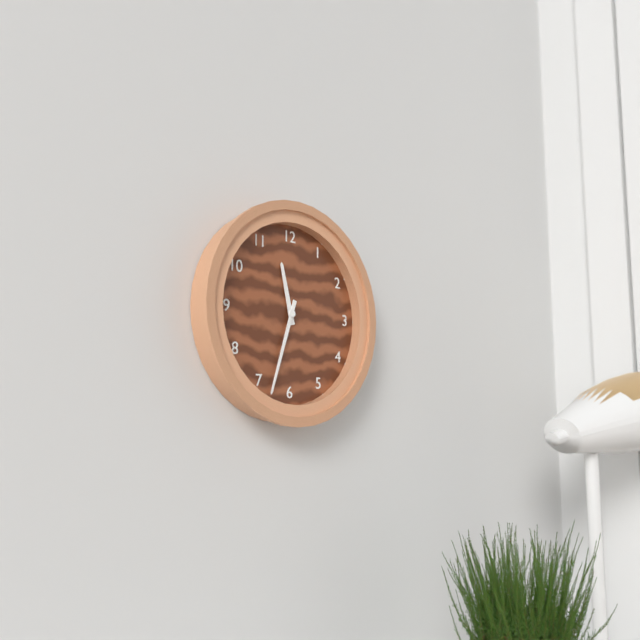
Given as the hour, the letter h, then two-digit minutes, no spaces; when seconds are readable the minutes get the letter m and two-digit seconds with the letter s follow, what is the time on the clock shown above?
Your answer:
11h33
